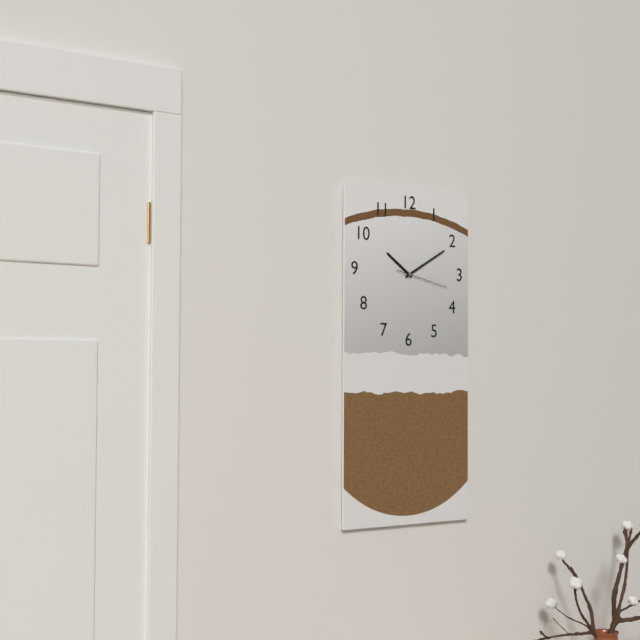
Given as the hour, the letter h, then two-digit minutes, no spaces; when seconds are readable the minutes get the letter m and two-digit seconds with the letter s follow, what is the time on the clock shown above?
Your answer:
10h10m17s
